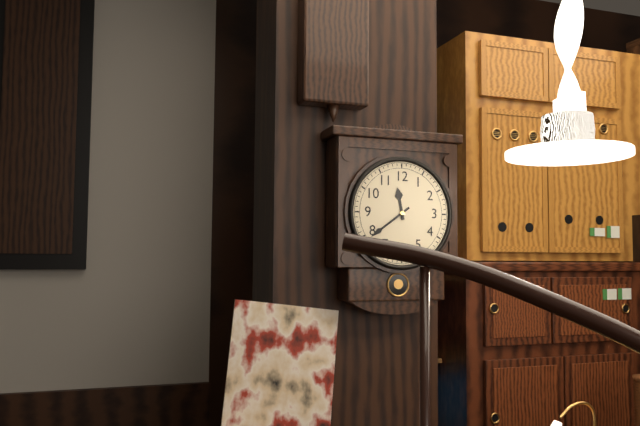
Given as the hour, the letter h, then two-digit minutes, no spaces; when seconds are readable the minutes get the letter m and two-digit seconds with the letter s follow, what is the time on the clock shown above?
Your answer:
11h39
